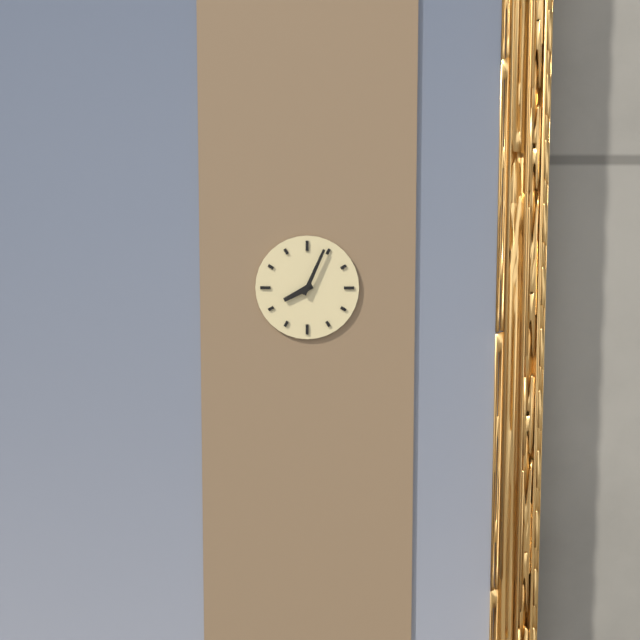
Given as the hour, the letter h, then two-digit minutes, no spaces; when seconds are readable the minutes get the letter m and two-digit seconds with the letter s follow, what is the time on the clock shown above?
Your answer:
8h04
